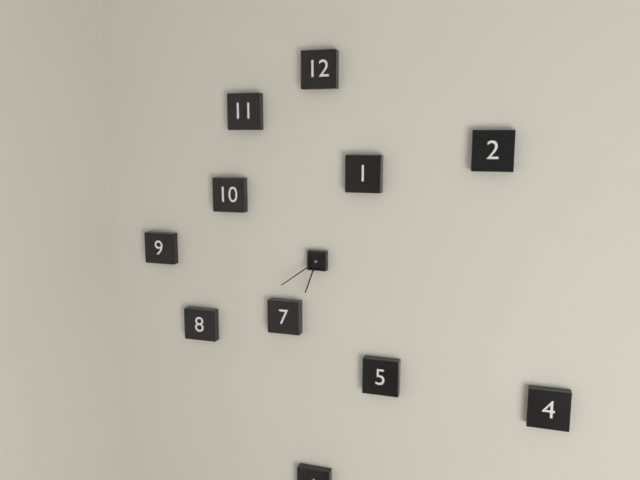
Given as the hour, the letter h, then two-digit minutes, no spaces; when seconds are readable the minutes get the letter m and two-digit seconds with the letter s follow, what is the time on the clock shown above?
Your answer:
6h39
